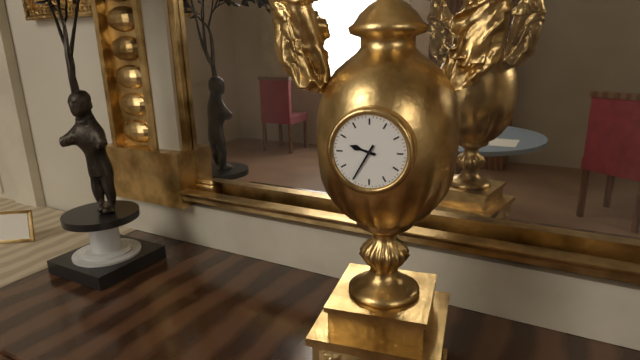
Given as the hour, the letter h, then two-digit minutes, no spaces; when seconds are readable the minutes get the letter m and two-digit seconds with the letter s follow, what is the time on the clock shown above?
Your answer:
9h35
